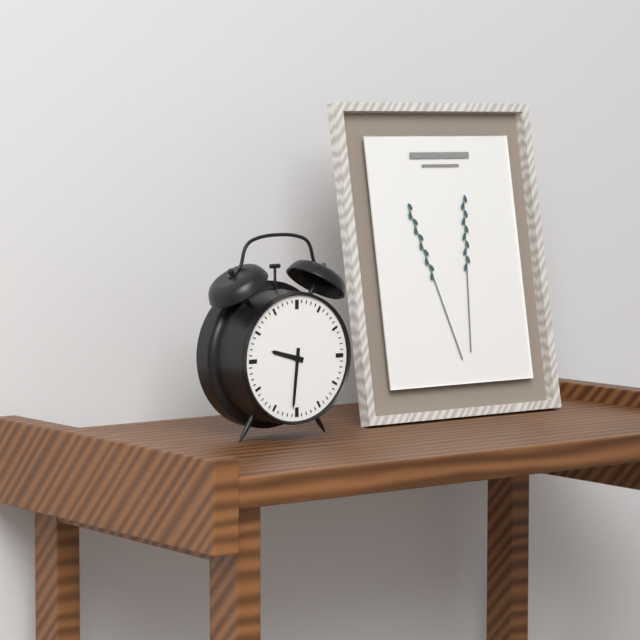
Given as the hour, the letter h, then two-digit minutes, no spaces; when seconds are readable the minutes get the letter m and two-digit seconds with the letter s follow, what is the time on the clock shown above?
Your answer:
9h31
